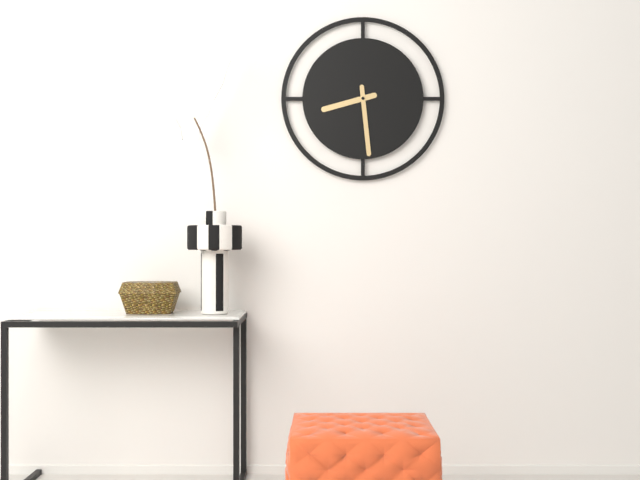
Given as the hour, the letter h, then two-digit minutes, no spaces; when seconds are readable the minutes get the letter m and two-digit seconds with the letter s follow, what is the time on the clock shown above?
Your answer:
8h29
